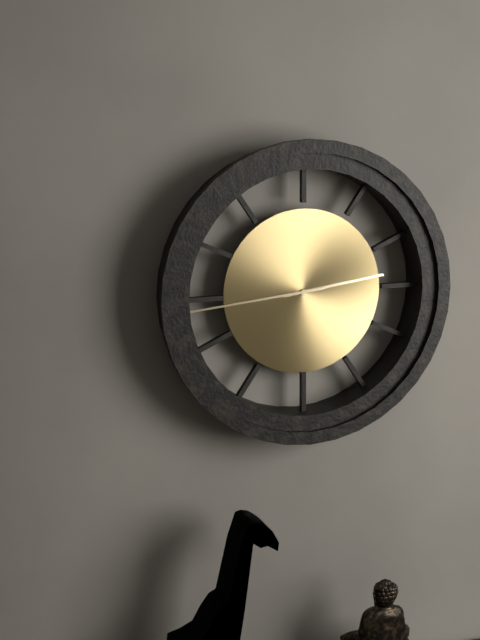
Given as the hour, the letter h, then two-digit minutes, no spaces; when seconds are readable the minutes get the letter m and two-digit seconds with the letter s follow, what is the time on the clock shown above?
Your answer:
2h44
